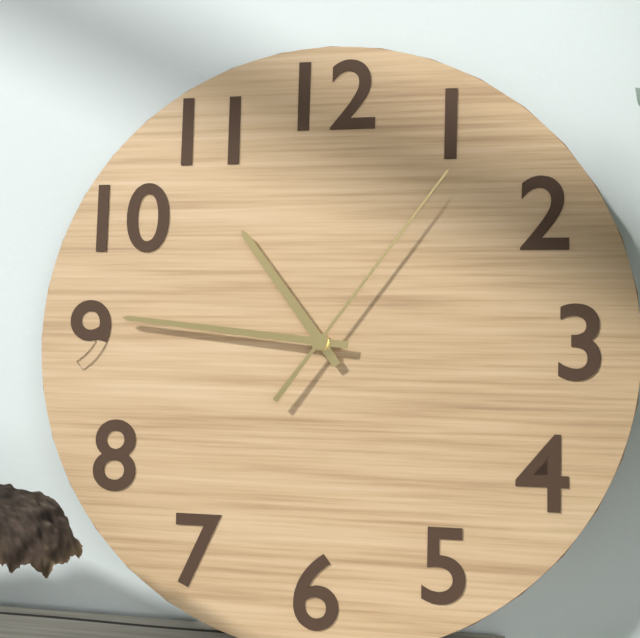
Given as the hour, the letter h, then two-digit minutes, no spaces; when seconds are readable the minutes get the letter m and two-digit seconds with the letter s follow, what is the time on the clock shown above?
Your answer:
10h46m06s
